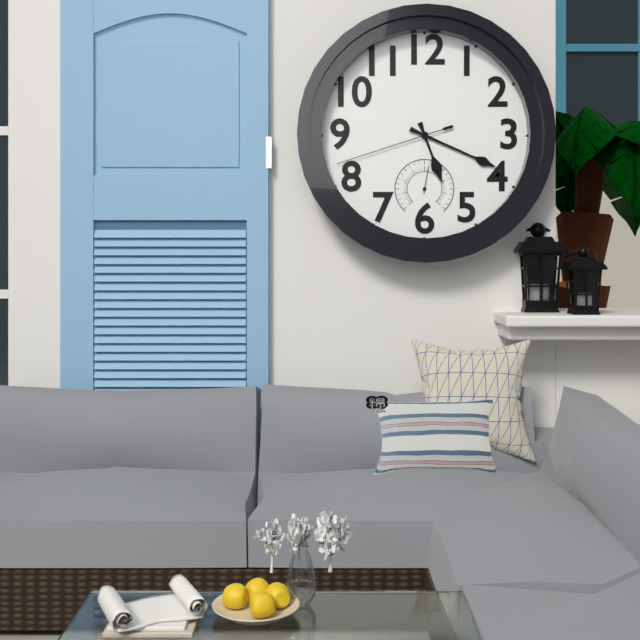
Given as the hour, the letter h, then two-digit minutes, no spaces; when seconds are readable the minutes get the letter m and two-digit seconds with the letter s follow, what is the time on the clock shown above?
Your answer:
5h19m42s
